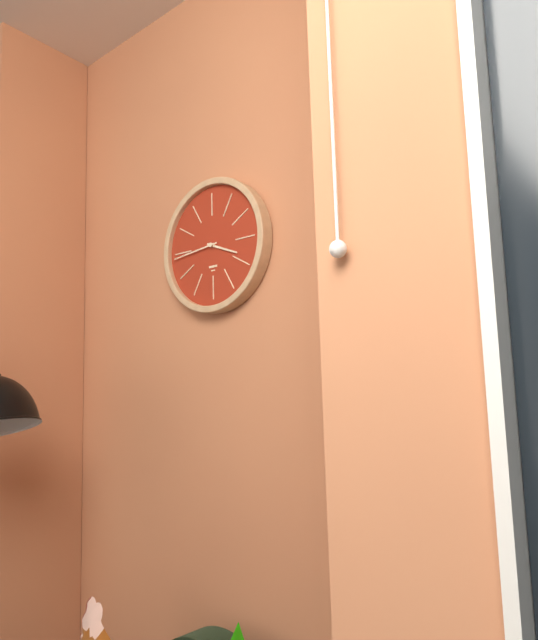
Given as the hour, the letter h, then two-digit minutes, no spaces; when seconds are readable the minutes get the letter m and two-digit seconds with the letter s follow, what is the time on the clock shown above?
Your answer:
3h44
